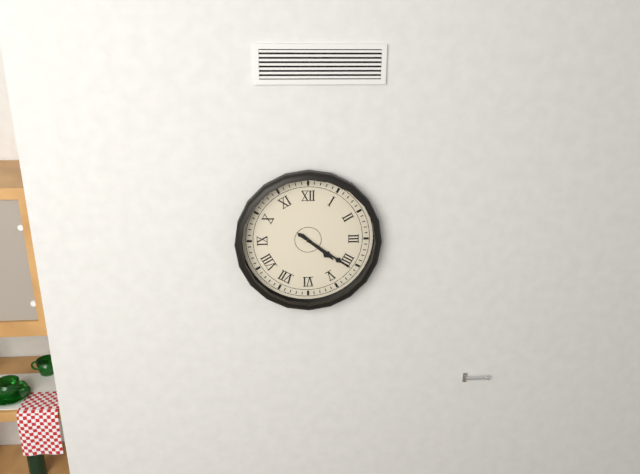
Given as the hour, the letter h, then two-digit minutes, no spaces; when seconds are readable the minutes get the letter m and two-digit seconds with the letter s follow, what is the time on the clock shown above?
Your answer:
4h21
